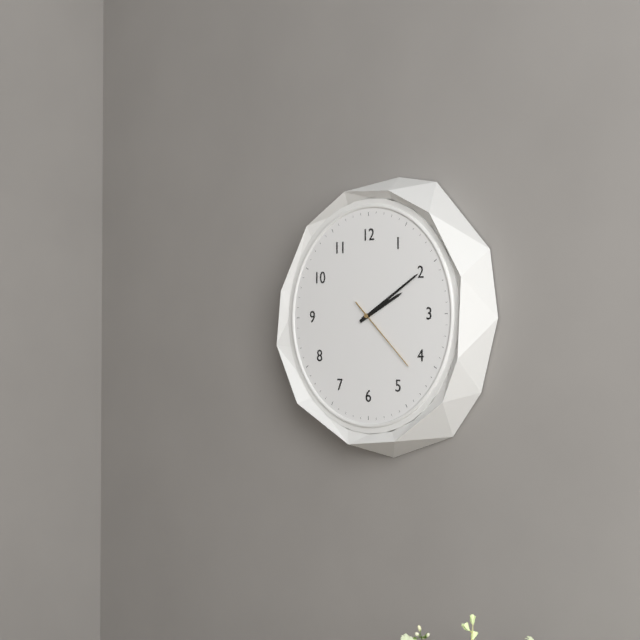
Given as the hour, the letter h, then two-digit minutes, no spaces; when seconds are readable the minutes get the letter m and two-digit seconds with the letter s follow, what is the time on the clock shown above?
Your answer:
2h10m22s
